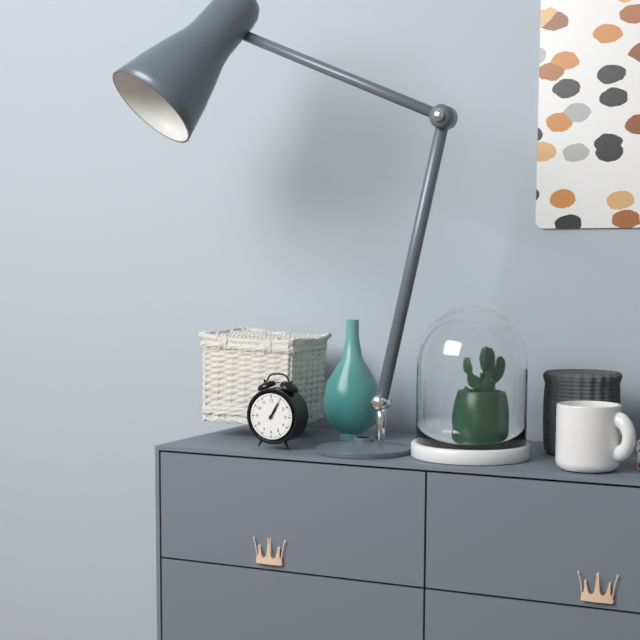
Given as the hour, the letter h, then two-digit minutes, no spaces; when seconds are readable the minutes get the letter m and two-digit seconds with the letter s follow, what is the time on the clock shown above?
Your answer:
1h05
